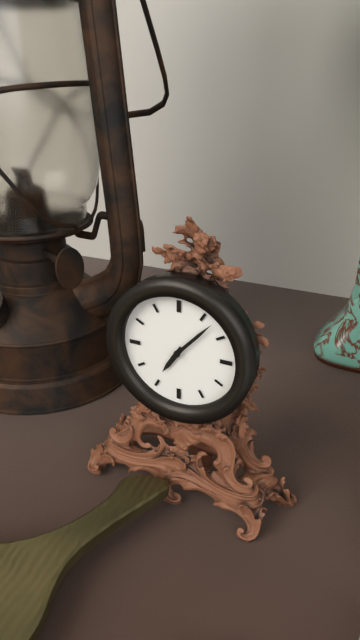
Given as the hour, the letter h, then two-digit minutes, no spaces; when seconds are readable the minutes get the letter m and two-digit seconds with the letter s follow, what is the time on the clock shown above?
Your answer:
7h07
